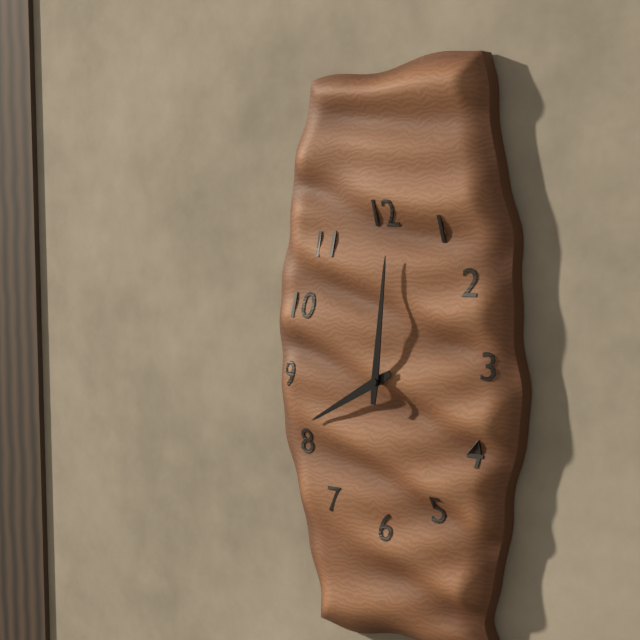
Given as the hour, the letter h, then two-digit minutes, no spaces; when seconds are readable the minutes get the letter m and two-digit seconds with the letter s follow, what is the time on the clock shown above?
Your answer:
8h01
